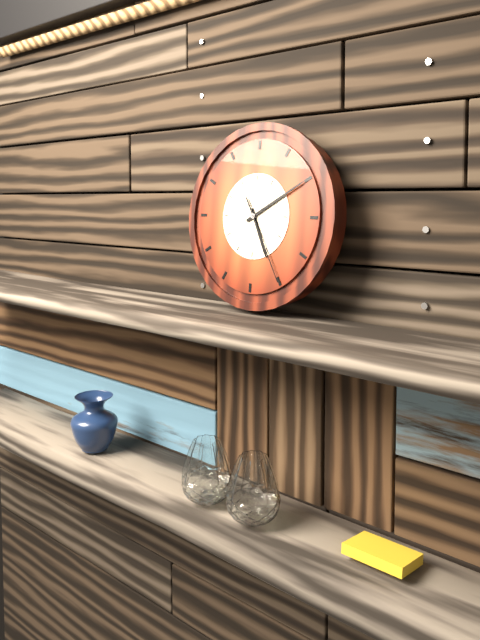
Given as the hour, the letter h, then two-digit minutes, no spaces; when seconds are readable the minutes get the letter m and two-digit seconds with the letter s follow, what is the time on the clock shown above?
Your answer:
5h10m25s
